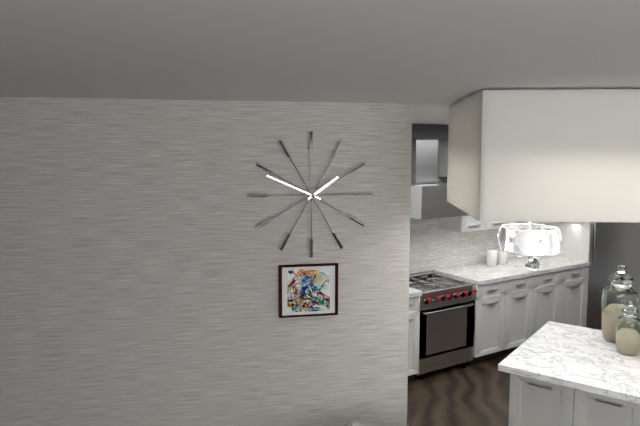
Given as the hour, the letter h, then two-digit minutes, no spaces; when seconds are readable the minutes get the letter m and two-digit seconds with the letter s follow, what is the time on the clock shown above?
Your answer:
1h49
